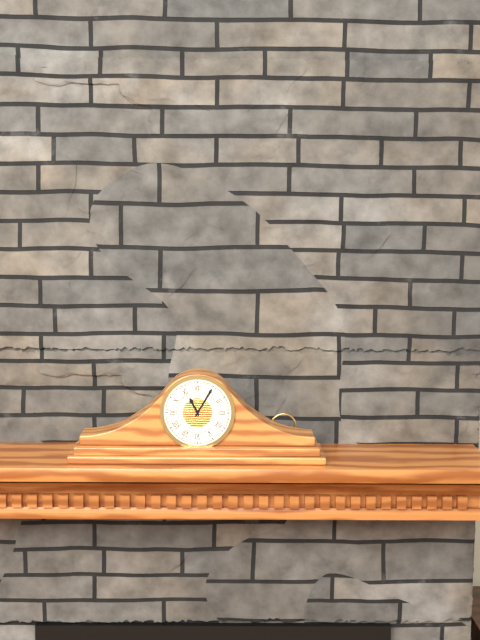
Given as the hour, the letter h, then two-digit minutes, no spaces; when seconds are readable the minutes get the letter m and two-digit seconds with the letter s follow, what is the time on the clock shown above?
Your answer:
11h05
